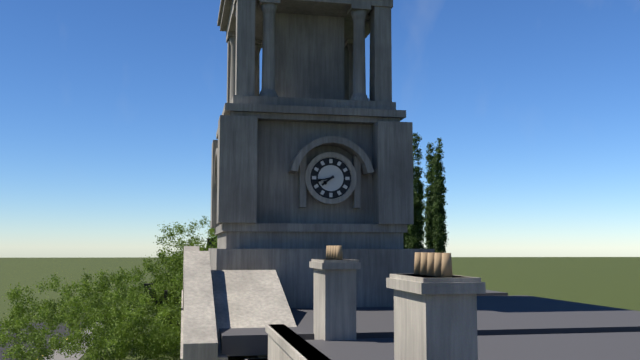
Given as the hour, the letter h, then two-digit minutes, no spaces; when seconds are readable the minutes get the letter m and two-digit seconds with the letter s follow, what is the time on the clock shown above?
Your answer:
7h43
